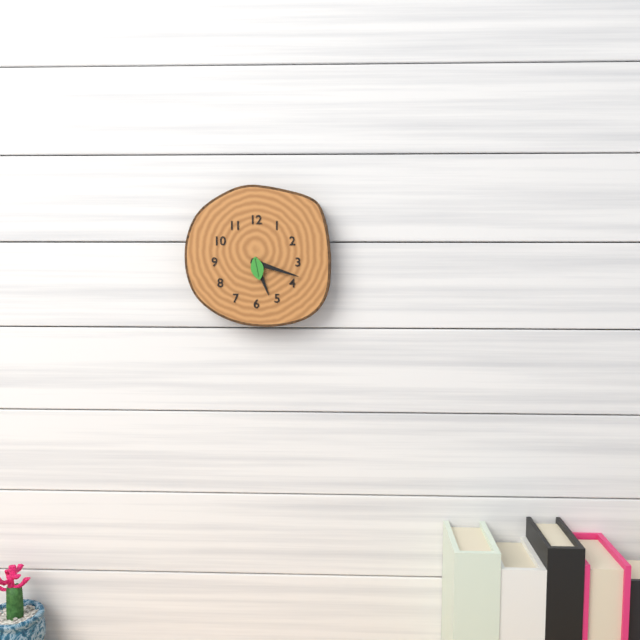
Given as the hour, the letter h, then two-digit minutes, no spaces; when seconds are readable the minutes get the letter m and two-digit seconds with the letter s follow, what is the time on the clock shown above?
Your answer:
5h18
